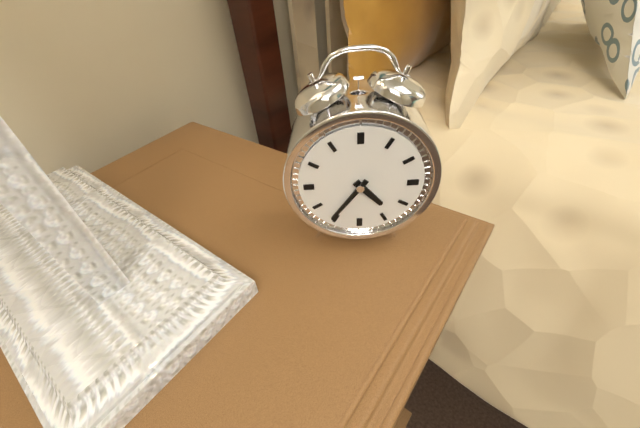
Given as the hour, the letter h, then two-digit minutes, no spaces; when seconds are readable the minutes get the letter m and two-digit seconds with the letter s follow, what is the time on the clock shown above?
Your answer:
4h36
